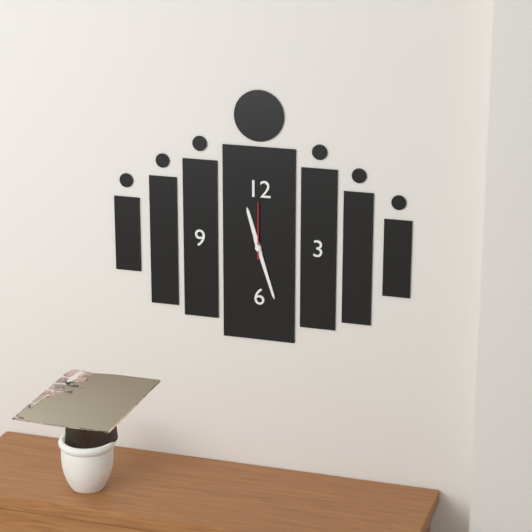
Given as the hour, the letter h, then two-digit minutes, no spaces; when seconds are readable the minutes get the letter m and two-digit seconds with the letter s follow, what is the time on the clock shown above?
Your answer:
11h27m00s
